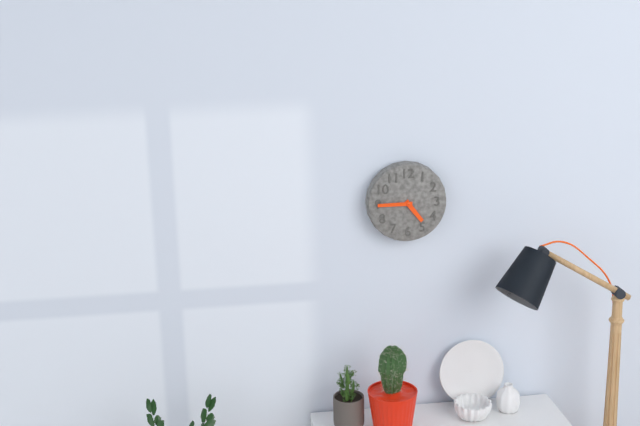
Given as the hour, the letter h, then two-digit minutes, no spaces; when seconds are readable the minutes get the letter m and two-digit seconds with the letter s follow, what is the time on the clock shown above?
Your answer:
4h45
